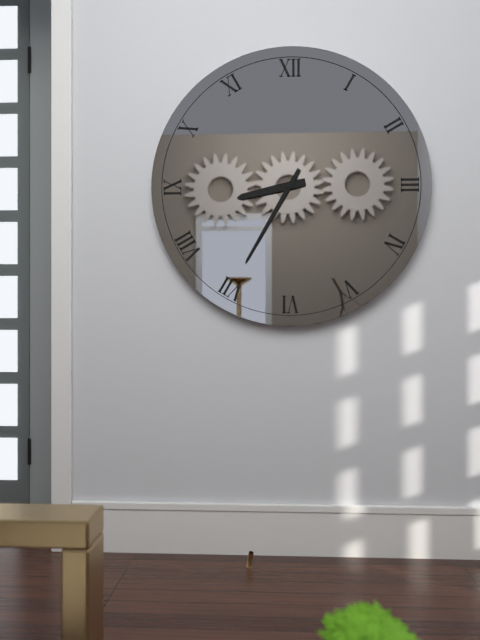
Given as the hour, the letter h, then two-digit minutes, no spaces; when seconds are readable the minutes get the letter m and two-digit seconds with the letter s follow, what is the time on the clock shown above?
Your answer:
8h35
